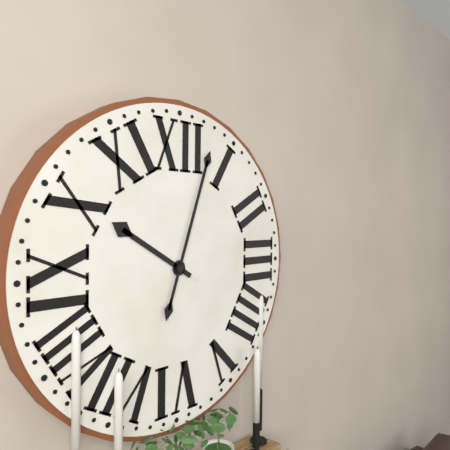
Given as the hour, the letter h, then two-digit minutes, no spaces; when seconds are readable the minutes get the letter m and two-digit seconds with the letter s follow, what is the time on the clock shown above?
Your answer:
10h03
